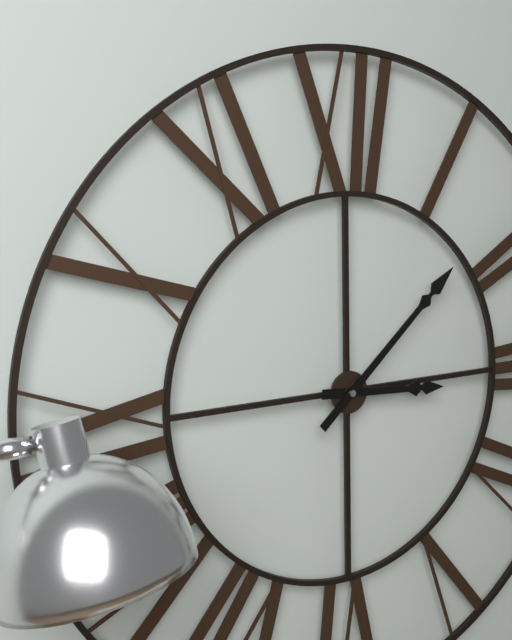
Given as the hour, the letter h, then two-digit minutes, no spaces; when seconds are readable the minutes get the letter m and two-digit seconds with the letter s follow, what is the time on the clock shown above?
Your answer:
3h08
